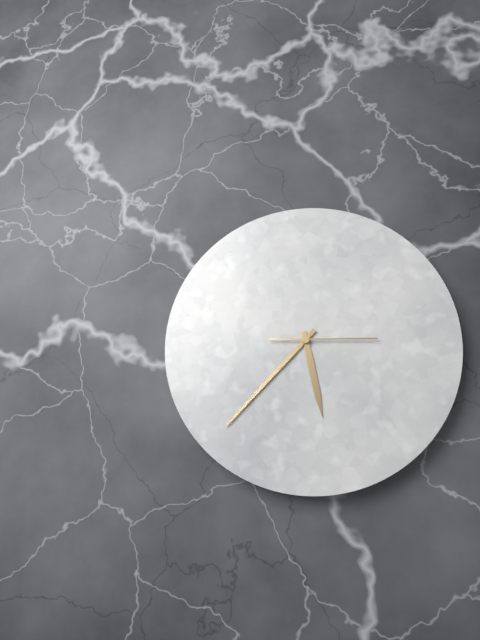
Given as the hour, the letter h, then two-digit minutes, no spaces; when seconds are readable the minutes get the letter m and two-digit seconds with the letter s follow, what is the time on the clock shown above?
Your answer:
5h37m15s
